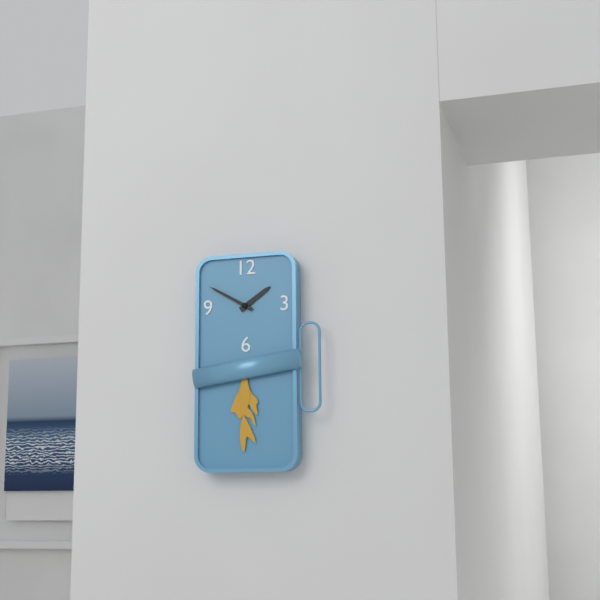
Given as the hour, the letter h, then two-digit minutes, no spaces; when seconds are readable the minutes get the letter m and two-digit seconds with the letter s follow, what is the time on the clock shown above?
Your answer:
1h50
